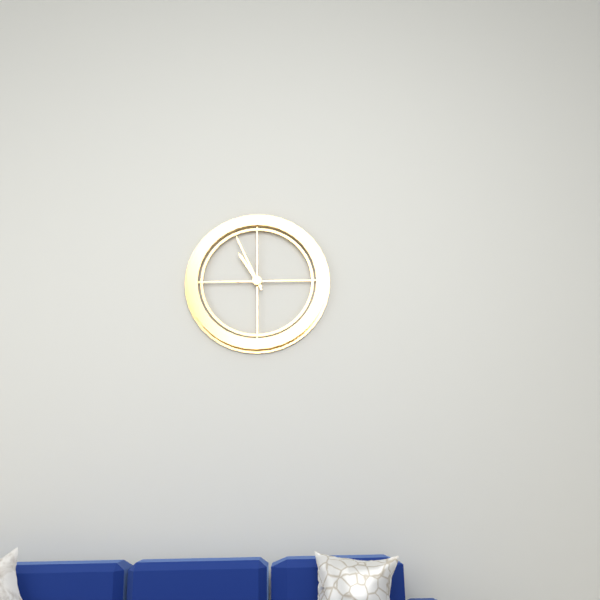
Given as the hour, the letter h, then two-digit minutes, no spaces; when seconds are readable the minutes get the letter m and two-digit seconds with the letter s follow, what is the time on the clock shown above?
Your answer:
10h56
